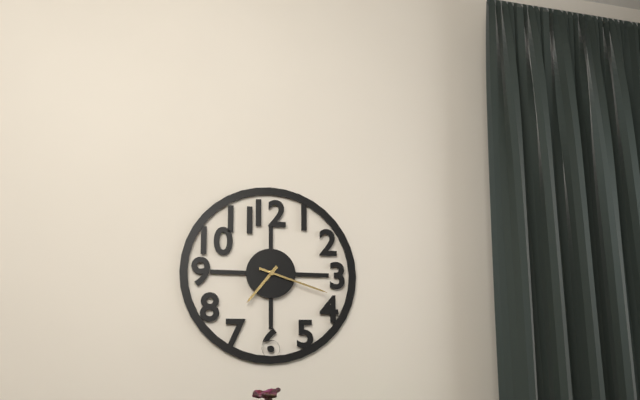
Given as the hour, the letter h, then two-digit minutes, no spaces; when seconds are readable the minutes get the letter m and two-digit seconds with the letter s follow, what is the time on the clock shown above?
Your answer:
7h18
